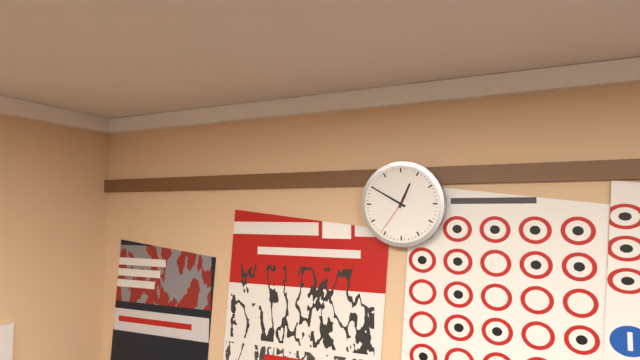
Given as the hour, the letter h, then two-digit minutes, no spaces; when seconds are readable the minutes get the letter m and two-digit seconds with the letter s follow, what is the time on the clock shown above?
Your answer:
12h50
